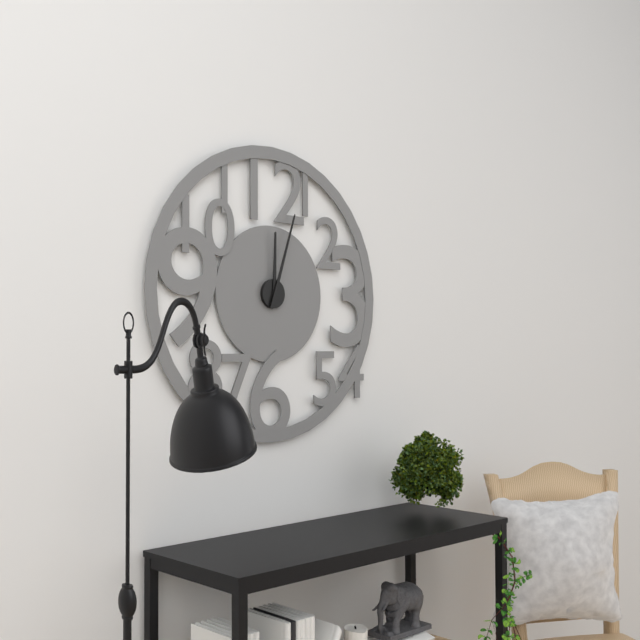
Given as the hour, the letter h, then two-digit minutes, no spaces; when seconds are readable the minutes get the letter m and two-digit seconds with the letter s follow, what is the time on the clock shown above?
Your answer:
12h03
